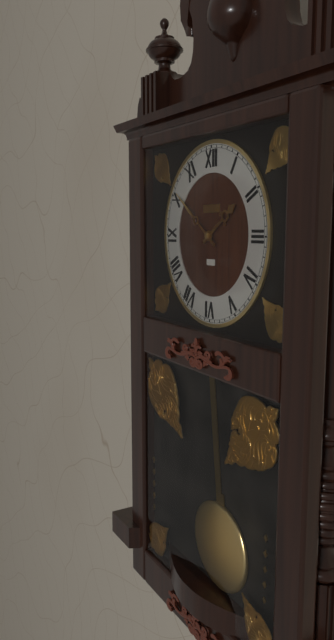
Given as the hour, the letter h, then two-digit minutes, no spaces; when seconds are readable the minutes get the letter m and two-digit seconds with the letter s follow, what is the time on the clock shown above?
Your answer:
1h51
